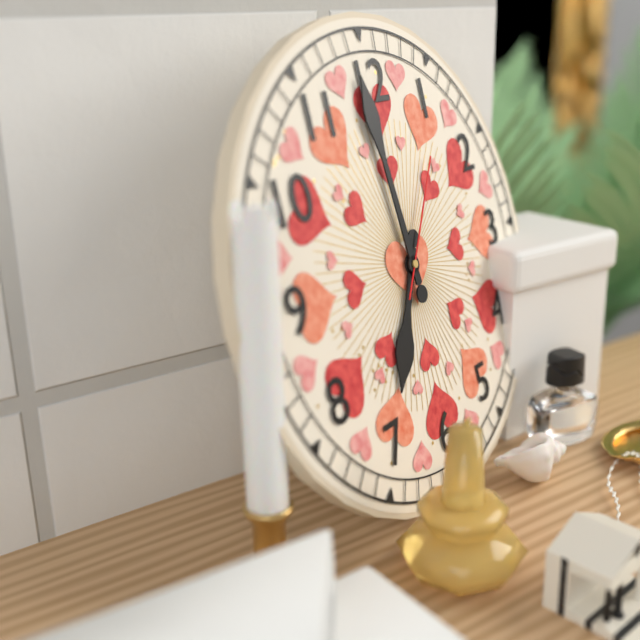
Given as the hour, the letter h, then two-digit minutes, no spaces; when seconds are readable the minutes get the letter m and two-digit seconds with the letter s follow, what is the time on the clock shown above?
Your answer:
6h59m06s
